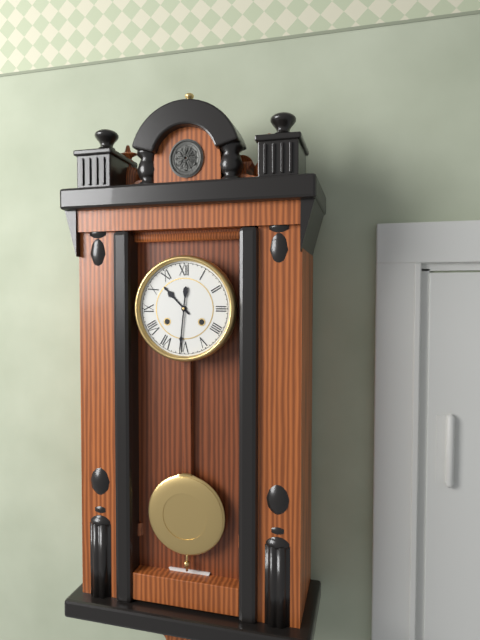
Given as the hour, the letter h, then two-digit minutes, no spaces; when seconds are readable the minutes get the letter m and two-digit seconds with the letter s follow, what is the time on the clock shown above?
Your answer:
10h31
